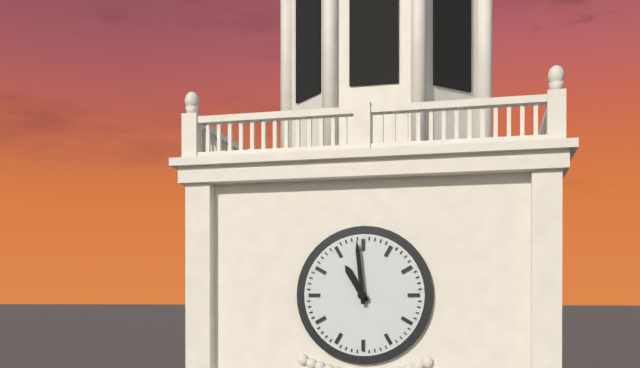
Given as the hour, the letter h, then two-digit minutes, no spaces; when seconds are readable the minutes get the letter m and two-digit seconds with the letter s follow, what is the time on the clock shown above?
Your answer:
10h59
